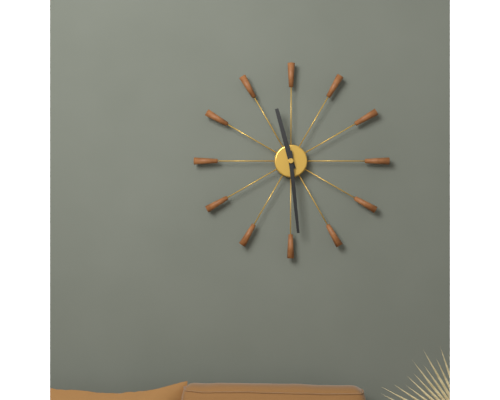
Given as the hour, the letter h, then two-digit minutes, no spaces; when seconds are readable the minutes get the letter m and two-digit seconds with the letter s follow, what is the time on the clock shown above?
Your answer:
11h29
